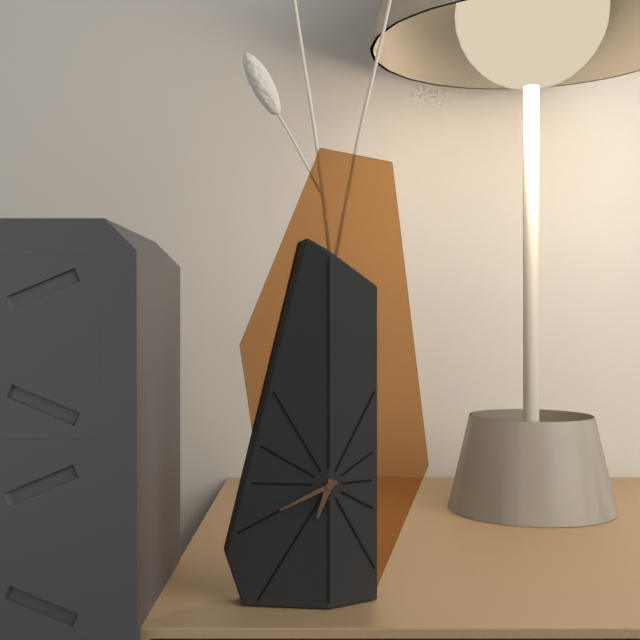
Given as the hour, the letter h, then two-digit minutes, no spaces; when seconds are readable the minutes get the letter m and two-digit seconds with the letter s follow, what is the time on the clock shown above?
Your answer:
6h41
